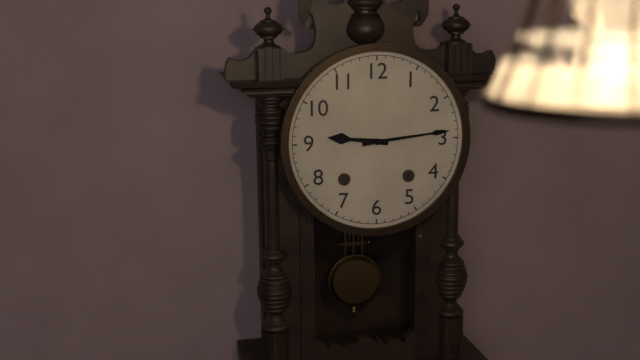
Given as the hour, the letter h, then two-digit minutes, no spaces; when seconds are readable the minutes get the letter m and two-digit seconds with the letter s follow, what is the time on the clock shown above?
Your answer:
9h14
